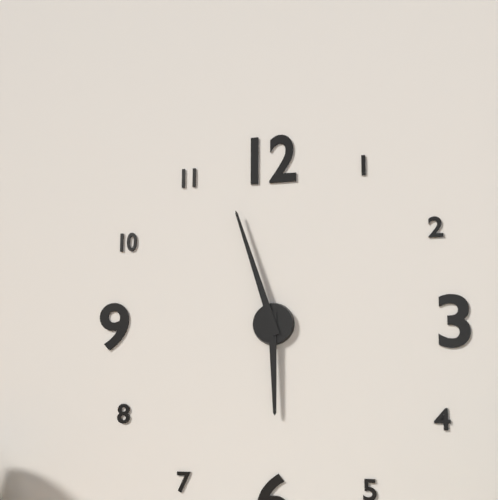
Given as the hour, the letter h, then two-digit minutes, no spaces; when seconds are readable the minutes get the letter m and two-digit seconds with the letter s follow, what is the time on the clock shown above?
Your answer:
5h57
